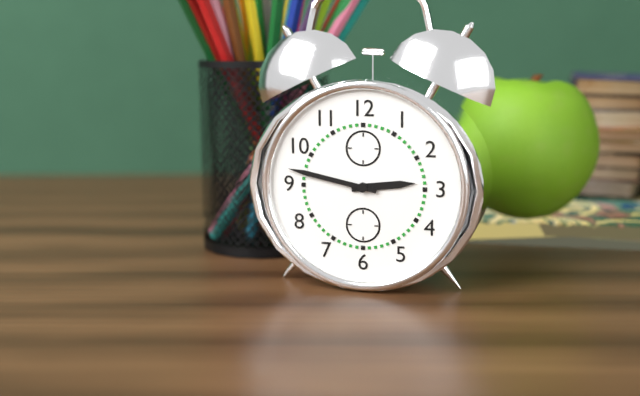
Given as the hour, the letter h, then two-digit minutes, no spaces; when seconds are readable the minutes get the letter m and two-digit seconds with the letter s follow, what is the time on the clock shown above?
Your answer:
2h47
